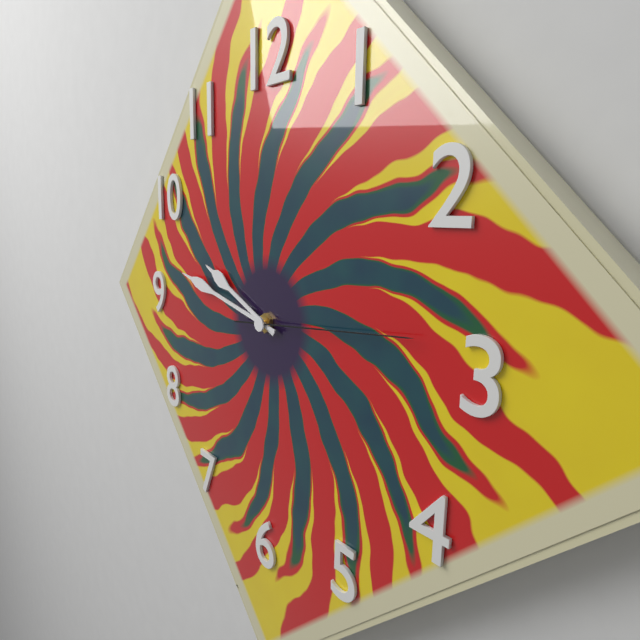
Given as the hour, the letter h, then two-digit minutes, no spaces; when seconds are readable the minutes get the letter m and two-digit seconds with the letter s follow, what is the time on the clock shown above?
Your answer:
9h47m14s
